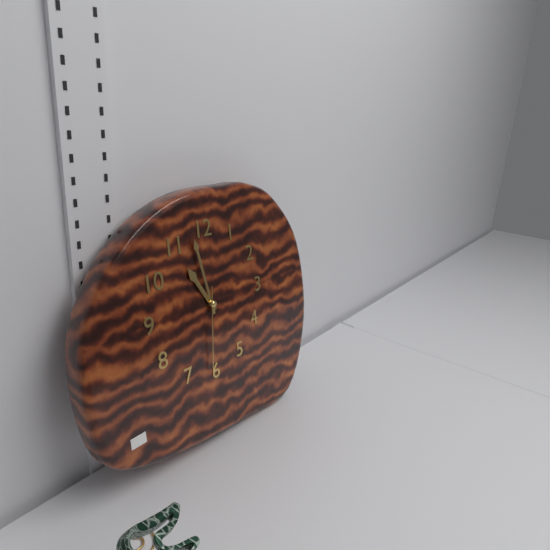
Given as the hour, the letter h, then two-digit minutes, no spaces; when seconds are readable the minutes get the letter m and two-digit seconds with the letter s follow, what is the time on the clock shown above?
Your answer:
10h58m31s
